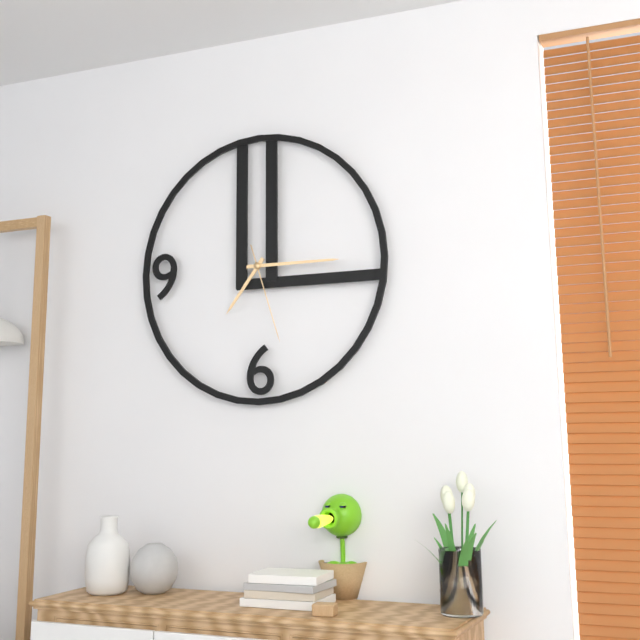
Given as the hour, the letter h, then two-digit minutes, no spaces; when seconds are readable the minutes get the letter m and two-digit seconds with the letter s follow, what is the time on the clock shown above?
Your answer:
7h15m27s
